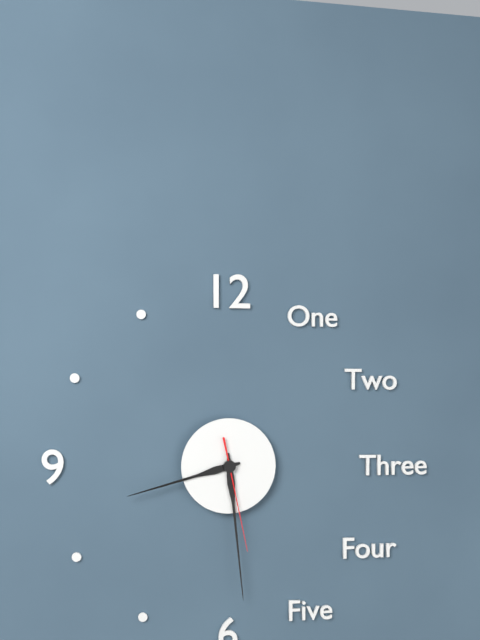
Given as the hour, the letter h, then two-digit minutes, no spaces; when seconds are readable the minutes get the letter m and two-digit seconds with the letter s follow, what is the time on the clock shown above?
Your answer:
8h29m28s
